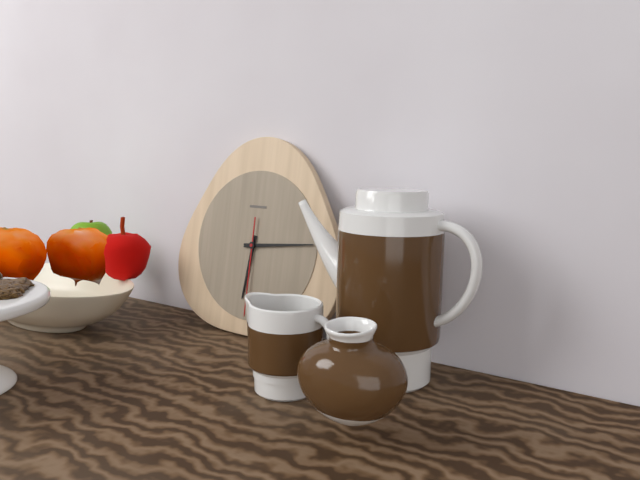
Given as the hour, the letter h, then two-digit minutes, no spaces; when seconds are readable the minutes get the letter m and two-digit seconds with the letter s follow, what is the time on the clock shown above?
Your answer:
6h14m30s
